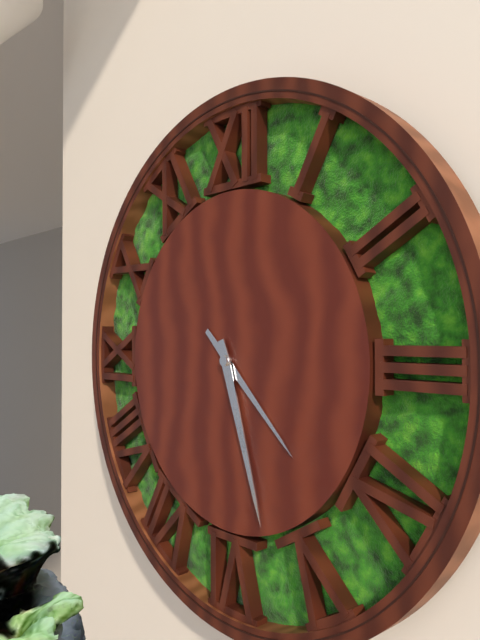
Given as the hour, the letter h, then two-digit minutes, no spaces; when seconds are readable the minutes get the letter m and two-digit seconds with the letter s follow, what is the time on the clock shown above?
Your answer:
4h27
